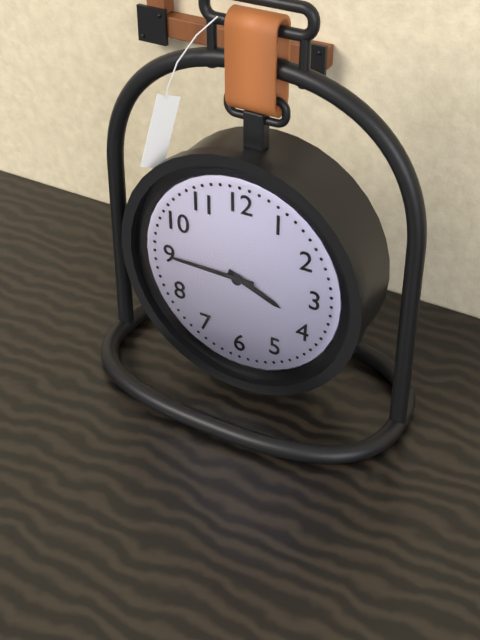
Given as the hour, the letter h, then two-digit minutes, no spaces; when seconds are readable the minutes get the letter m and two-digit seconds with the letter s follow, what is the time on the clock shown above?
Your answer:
3h45
